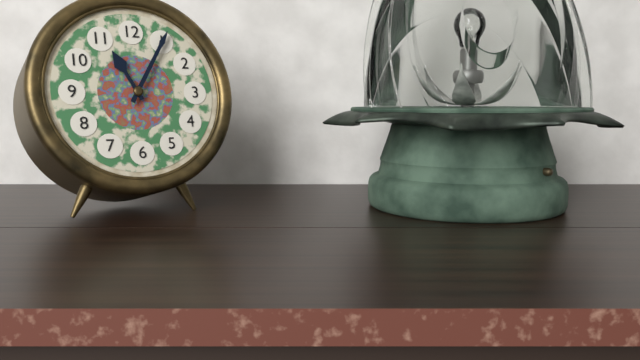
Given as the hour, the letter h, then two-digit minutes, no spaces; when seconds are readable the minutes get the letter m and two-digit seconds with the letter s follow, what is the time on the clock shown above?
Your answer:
11h05
